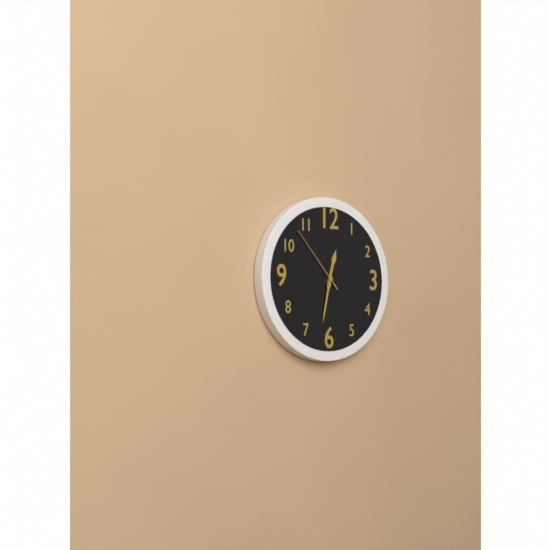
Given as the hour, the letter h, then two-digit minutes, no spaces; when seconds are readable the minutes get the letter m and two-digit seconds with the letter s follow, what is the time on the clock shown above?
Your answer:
12h32m53s
